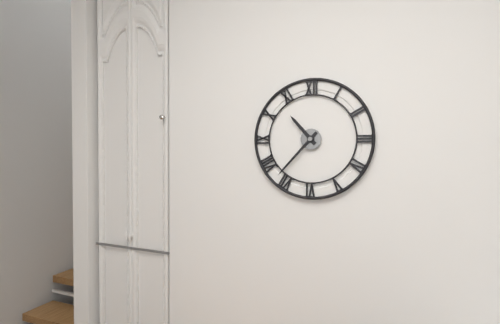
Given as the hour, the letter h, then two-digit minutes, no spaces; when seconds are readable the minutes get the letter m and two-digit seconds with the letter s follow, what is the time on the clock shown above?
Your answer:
10h37
